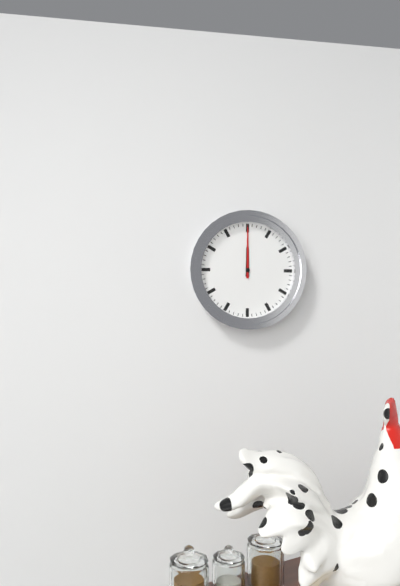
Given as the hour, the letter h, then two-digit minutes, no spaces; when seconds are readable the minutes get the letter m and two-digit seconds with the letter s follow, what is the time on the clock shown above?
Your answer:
12h00
